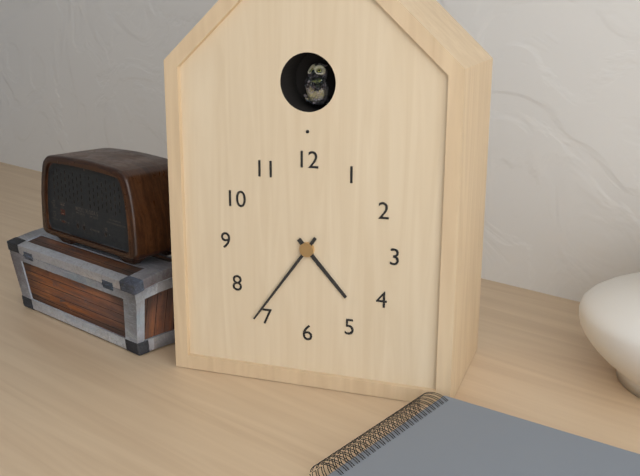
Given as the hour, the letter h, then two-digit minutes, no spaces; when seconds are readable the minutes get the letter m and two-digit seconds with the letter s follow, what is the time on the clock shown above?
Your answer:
4h36
